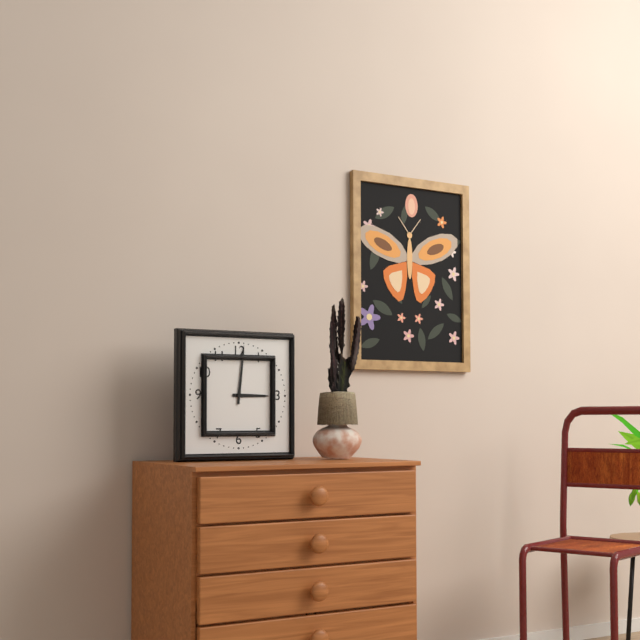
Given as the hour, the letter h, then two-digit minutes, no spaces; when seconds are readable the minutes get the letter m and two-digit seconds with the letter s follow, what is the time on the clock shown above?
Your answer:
3h01
